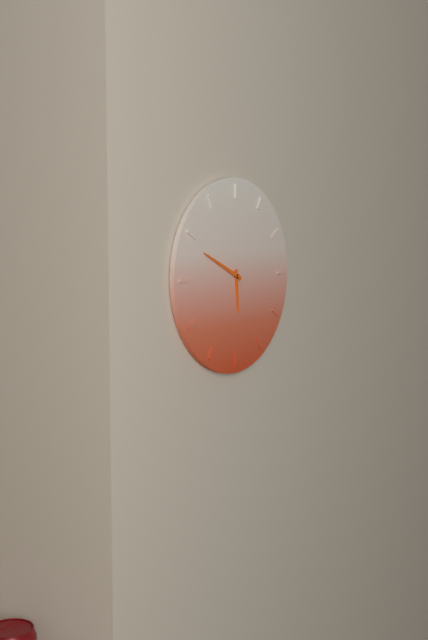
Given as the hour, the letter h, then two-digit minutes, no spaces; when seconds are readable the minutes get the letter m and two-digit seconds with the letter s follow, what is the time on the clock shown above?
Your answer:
5h49
